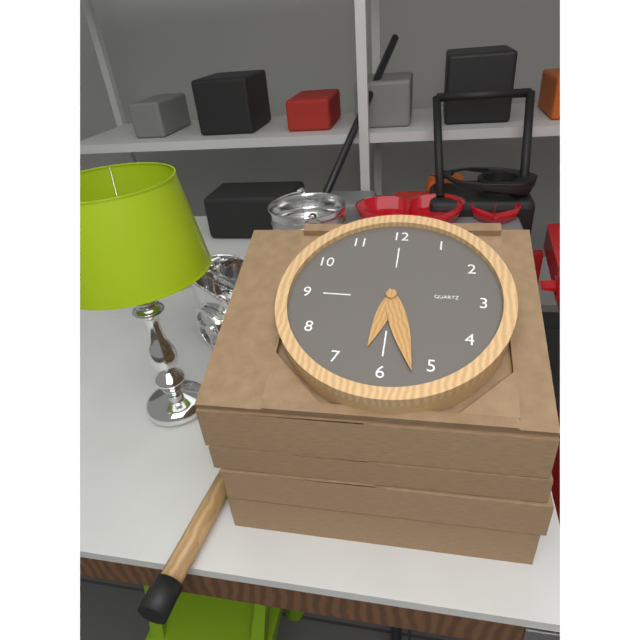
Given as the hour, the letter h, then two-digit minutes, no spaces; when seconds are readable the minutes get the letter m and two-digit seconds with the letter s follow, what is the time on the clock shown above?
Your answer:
6h27
